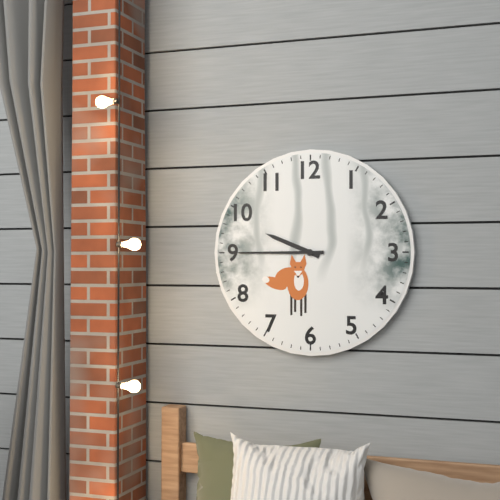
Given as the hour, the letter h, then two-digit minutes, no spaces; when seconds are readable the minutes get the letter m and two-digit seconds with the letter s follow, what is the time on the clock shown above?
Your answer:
9h45
